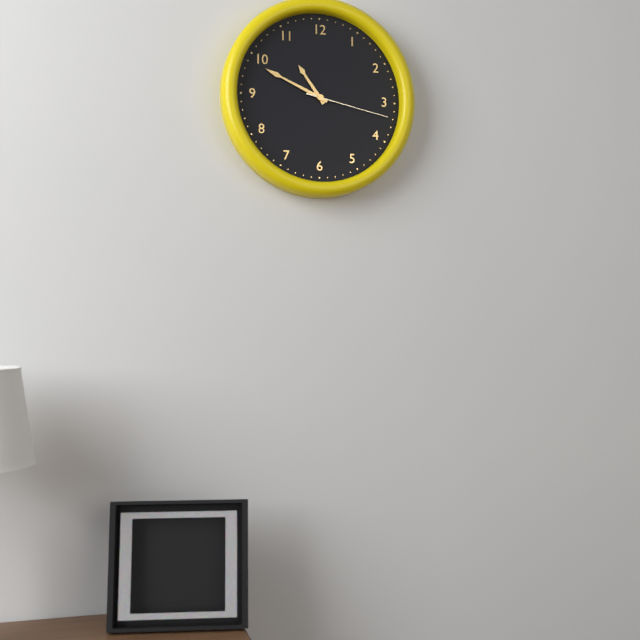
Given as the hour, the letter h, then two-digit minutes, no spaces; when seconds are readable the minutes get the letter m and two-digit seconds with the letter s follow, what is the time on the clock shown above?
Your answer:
10h49m17s
